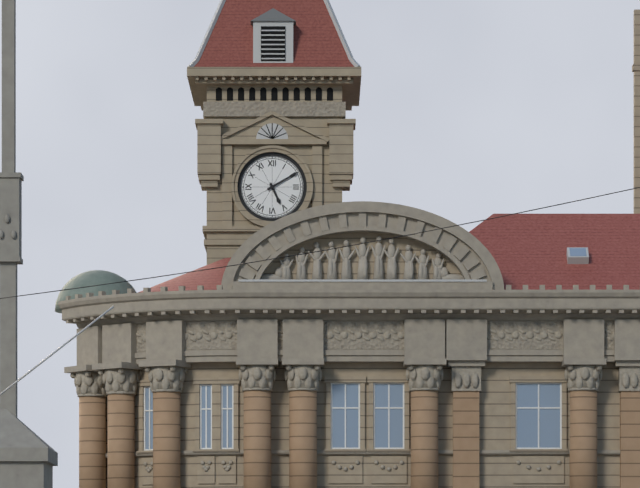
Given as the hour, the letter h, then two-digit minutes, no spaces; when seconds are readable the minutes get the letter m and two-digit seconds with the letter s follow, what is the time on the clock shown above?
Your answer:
5h10
